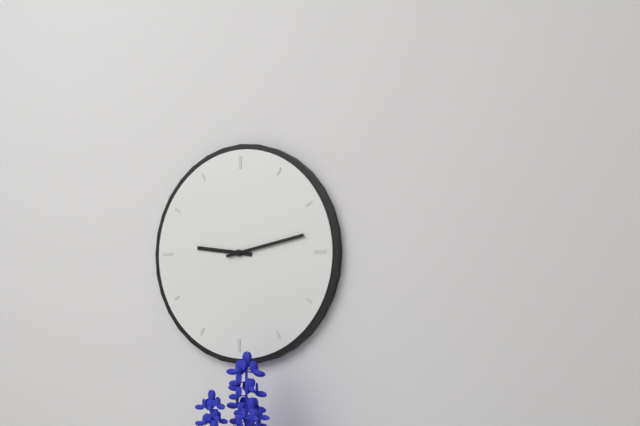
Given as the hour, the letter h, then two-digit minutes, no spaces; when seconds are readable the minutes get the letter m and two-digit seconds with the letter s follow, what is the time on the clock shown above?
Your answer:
9h13
